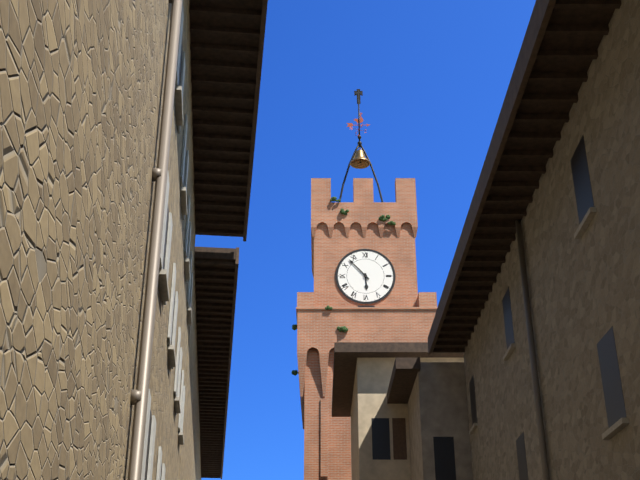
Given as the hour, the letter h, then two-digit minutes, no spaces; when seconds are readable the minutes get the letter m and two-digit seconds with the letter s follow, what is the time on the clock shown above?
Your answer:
5h53
